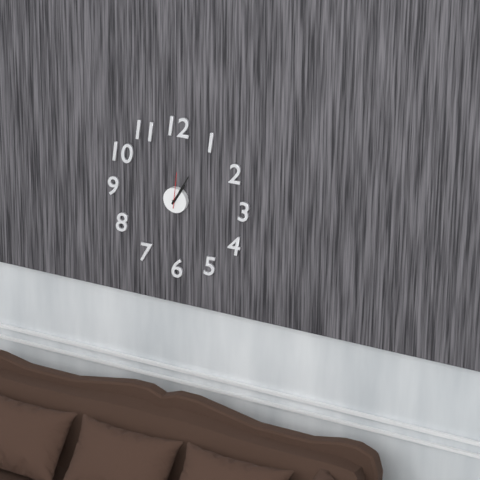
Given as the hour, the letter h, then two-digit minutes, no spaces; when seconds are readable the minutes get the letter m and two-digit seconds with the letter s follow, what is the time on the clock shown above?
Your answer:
1h05
